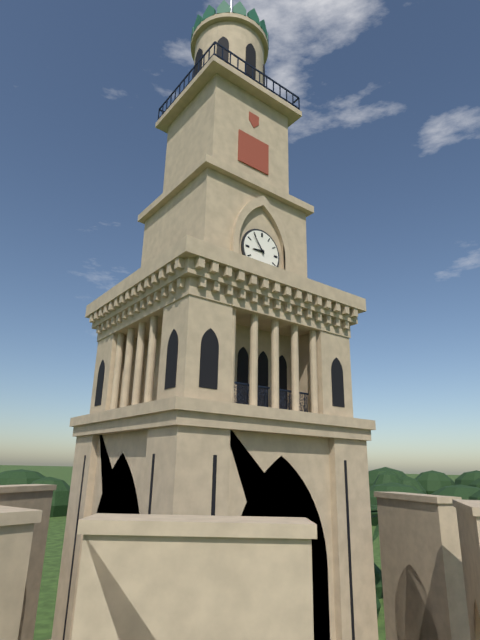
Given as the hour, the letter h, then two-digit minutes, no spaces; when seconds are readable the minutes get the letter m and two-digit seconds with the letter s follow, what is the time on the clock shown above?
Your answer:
8h54
